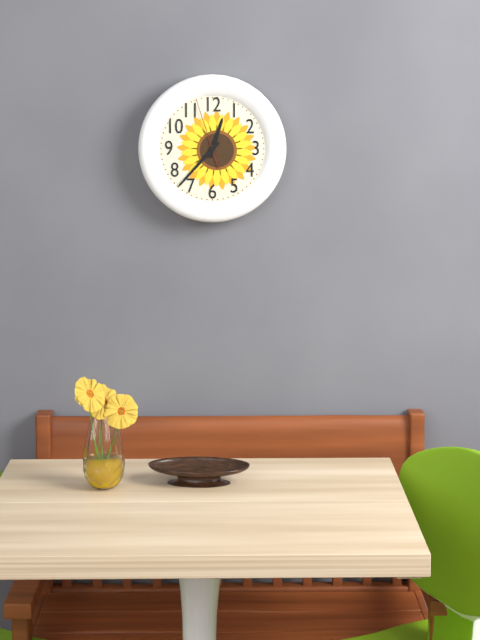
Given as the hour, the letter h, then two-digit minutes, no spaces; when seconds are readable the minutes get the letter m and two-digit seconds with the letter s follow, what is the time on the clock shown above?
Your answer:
12h37m57s
